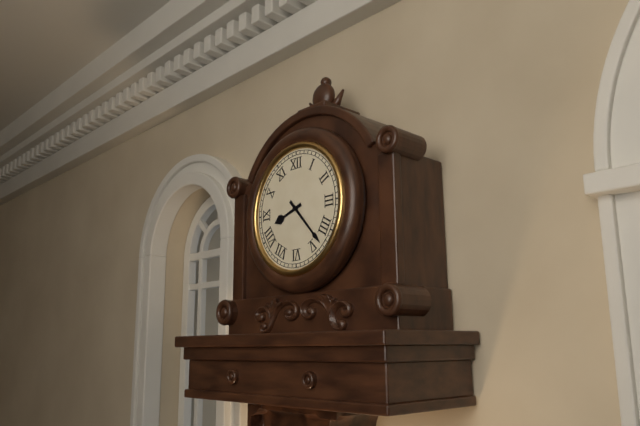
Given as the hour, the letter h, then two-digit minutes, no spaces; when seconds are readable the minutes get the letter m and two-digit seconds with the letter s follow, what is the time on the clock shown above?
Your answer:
8h23
